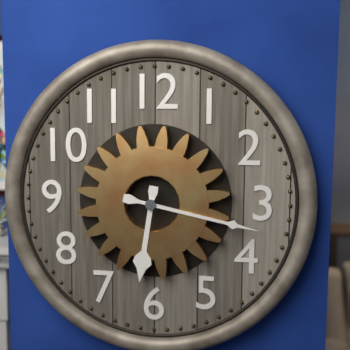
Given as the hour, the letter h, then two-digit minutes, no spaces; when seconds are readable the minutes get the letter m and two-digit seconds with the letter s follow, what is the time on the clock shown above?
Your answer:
6h17
